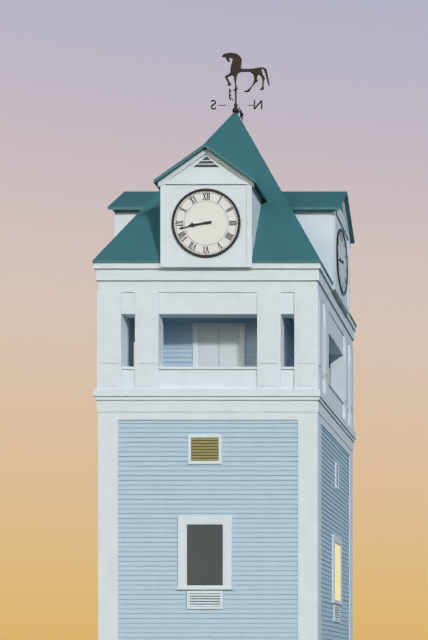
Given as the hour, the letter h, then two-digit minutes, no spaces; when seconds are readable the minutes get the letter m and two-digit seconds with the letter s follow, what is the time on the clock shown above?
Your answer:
8h43
